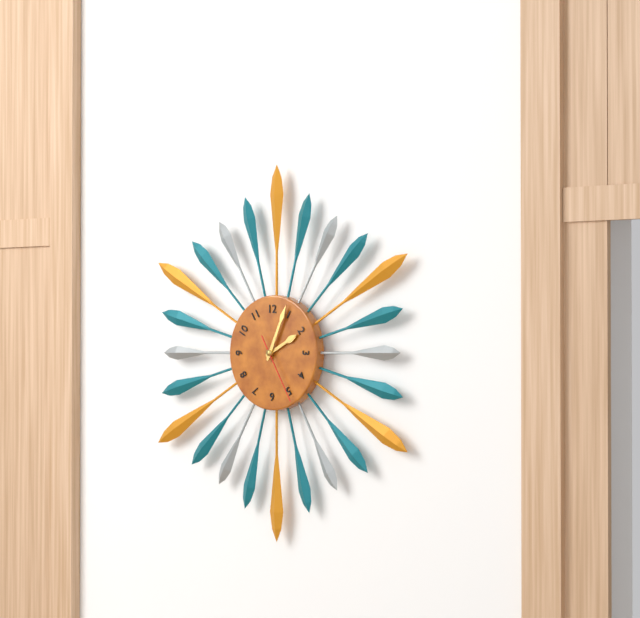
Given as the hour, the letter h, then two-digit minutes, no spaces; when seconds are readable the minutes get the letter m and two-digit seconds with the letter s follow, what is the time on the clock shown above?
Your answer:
2h04m25s
